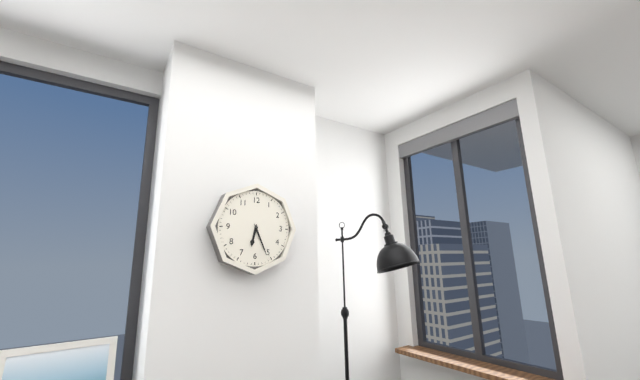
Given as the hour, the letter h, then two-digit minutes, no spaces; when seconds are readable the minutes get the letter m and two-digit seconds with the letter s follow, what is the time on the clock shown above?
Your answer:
6h26
